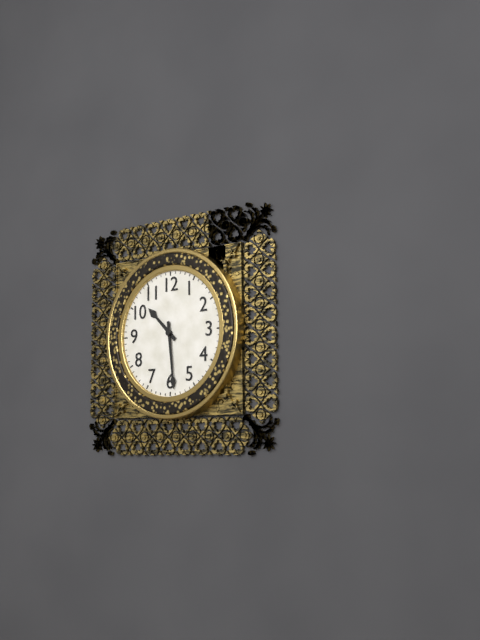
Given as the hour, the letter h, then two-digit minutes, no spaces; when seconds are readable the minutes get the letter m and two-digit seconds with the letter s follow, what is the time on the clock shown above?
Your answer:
10h29
